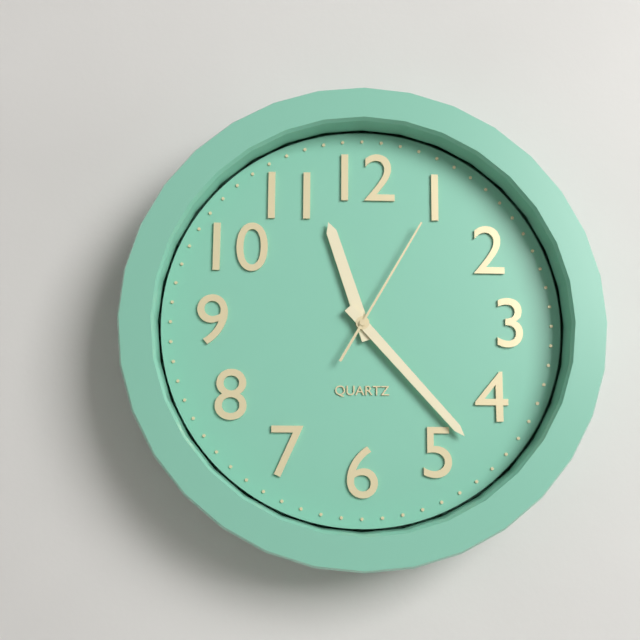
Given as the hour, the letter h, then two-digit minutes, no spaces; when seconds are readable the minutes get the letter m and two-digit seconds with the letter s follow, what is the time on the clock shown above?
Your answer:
11h23m05s
